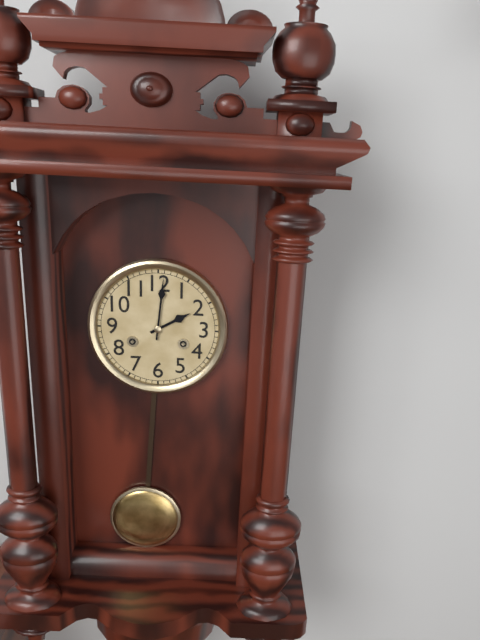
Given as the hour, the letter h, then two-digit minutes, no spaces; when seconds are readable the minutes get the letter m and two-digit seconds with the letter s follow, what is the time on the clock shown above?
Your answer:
2h01
